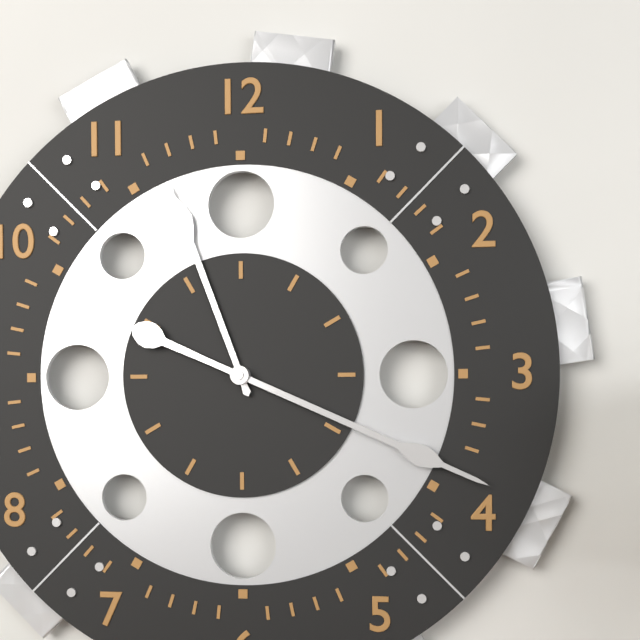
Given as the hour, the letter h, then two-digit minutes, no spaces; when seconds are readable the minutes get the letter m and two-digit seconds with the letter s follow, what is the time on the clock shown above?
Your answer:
11h19
